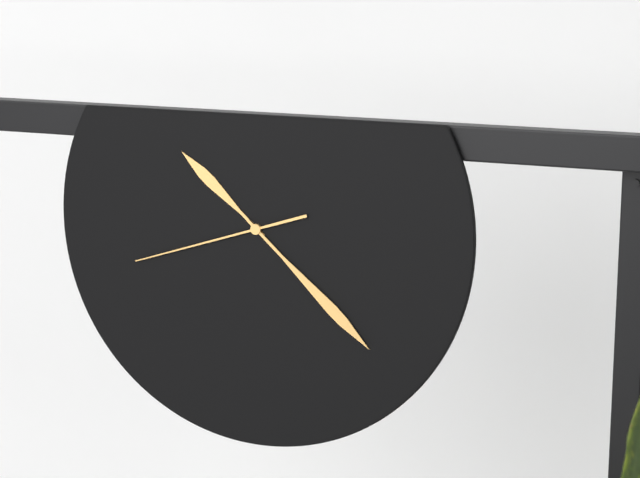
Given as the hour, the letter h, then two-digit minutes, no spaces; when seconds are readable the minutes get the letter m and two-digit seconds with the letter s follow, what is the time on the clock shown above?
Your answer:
10h22m42s
